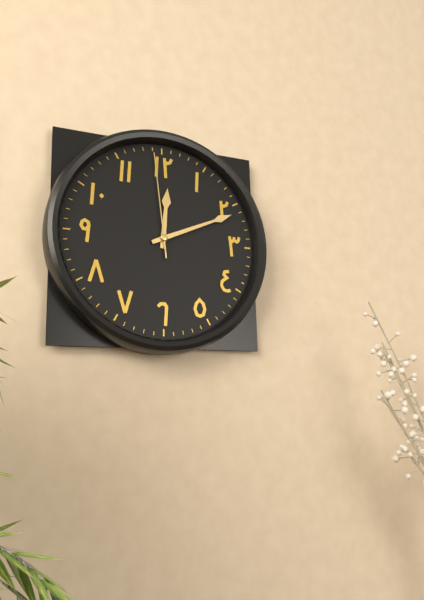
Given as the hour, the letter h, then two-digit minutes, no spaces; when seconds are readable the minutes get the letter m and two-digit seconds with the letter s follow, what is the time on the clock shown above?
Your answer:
12h11m59s
